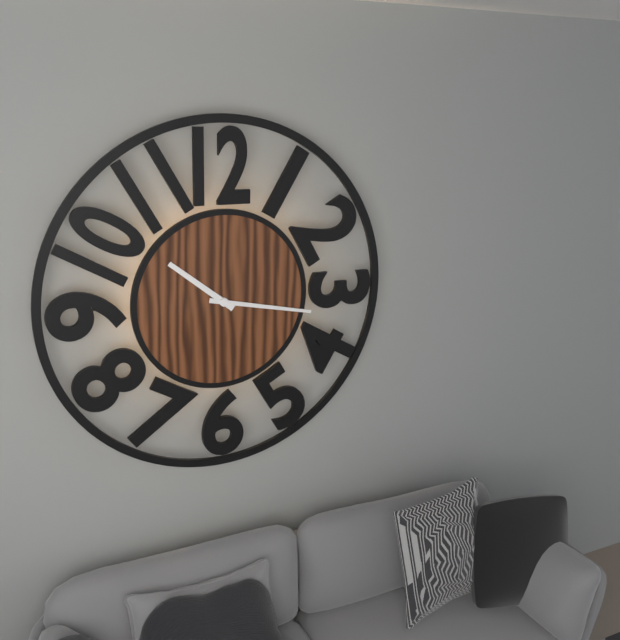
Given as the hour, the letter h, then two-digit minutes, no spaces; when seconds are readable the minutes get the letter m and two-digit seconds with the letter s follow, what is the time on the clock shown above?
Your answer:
10h17
